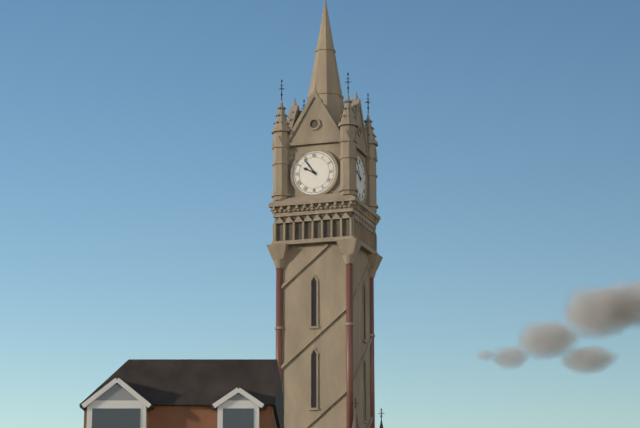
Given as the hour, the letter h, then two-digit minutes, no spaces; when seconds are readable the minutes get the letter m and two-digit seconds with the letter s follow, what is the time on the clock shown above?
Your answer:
9h54
